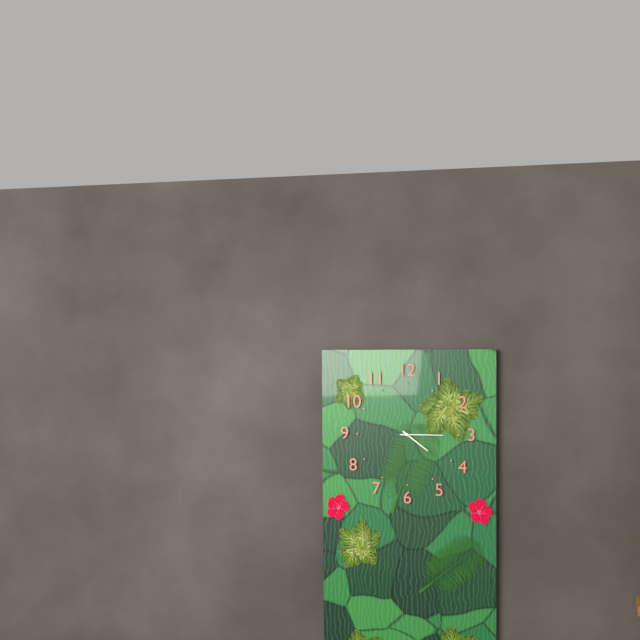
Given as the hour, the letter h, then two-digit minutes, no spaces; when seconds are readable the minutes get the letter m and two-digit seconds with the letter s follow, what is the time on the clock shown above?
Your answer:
4h15
